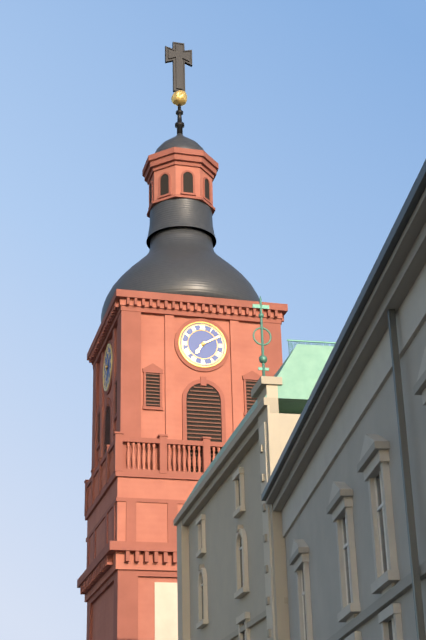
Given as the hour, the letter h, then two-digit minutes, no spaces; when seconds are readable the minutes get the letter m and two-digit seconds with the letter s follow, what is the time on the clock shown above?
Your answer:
7h10
